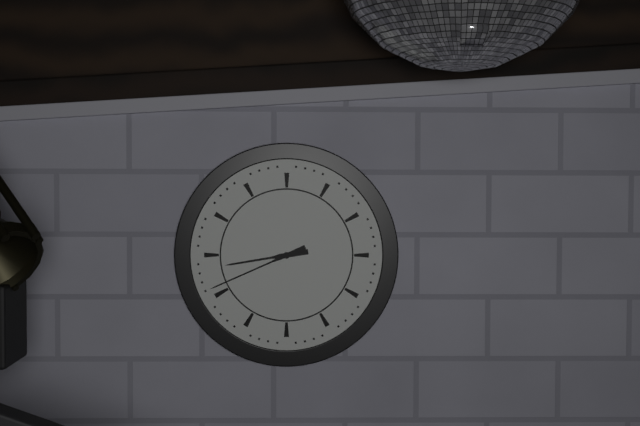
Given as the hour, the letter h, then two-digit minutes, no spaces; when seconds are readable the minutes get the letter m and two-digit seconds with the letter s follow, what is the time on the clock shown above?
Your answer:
8h41
